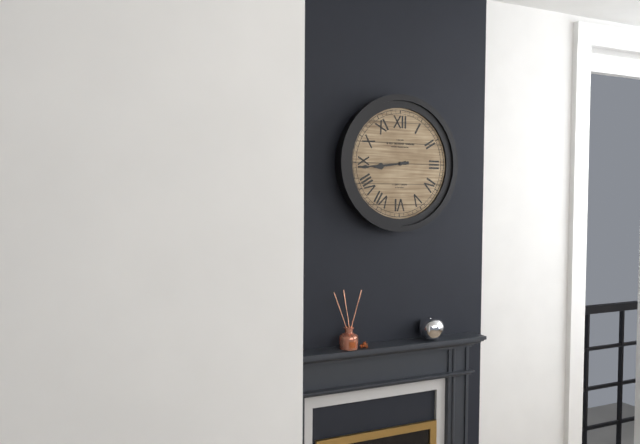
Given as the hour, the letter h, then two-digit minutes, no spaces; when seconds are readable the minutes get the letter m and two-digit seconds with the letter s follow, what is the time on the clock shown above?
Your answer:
8h44
